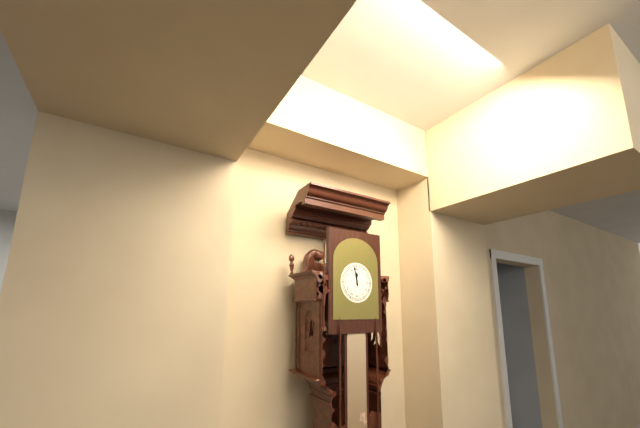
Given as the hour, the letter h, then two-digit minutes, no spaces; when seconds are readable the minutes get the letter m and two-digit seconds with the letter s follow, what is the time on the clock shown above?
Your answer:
11h58
